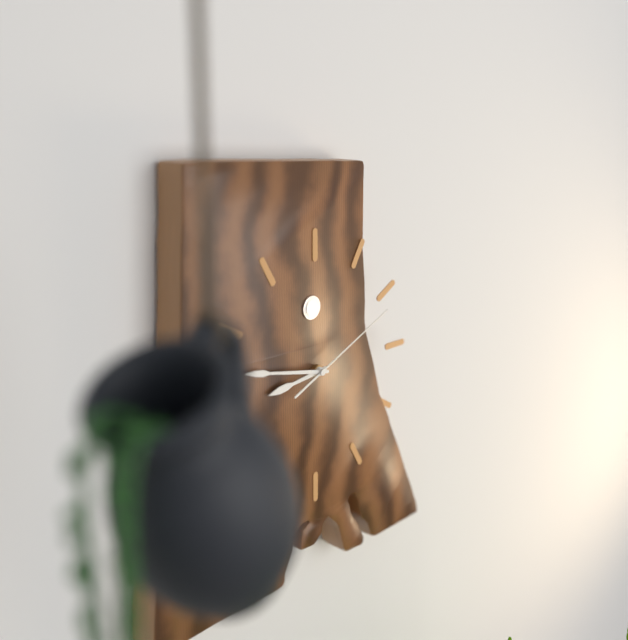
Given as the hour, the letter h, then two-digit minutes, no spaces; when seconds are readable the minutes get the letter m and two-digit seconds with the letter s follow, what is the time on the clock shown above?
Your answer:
8h47m11s
